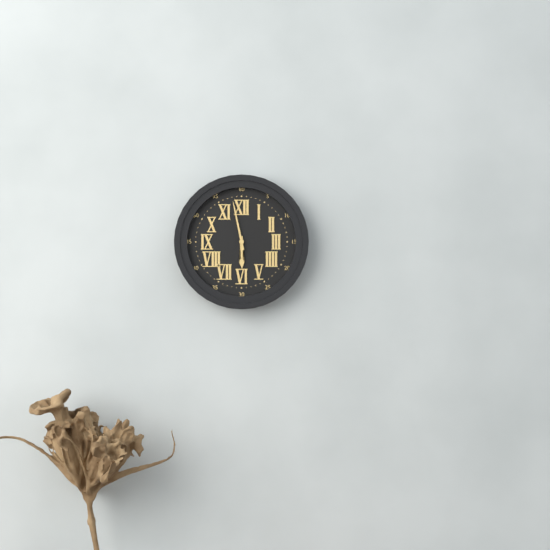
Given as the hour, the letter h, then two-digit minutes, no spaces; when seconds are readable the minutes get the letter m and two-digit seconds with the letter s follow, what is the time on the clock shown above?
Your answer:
5h58
